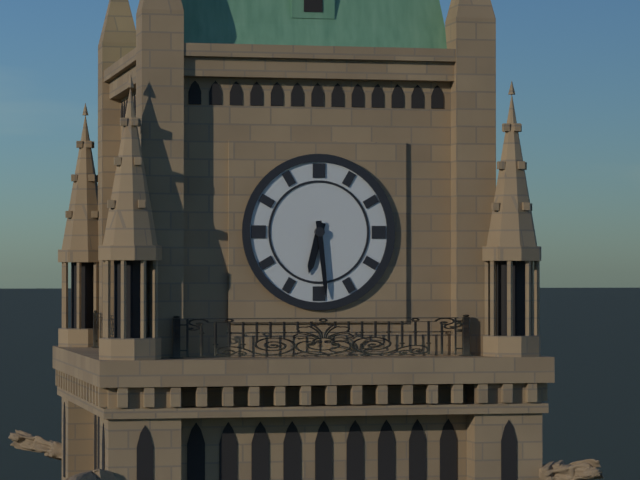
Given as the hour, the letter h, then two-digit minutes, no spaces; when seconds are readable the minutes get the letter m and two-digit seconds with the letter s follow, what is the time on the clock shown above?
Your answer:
6h29
